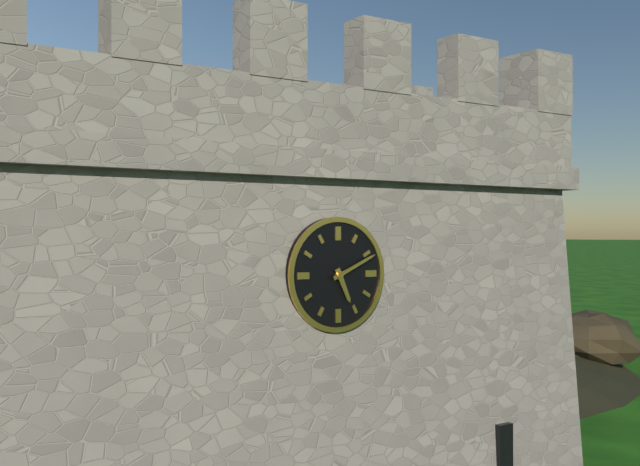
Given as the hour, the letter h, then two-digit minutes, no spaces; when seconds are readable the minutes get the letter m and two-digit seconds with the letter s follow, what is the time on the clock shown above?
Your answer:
5h11
